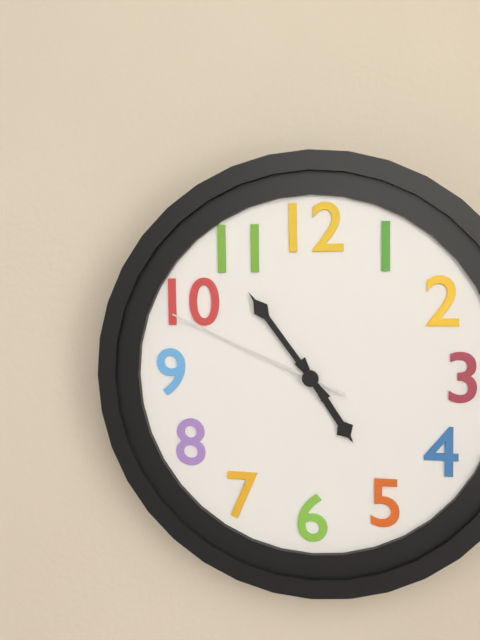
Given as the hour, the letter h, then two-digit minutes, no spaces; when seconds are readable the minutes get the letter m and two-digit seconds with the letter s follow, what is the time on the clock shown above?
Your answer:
4h54m49s
